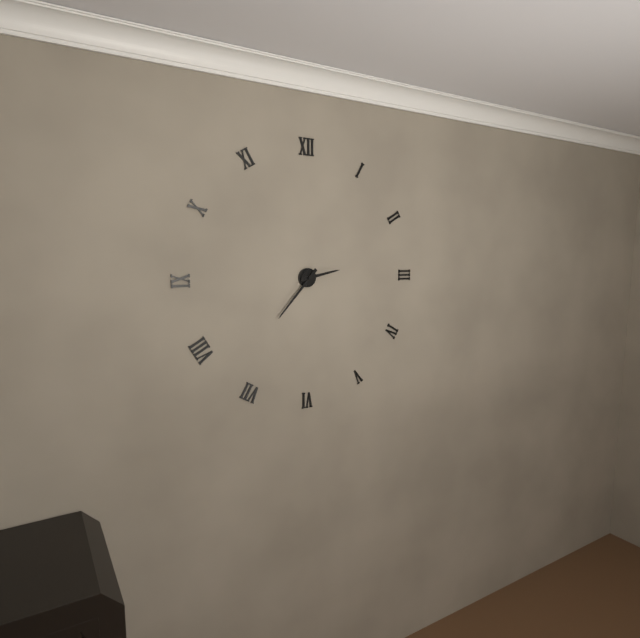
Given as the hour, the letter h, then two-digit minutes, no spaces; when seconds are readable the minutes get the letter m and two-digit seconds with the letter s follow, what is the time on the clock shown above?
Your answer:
2h37
